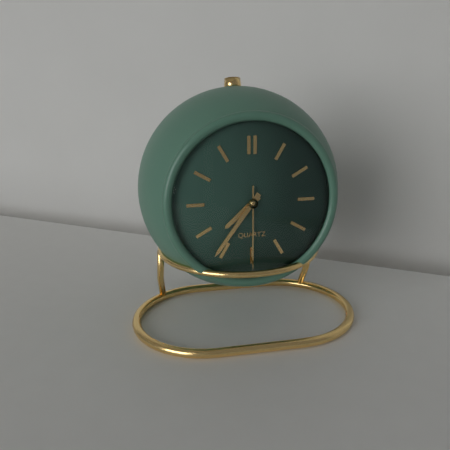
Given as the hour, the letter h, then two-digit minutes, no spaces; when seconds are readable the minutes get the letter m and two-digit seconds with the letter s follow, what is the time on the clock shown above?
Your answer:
7h36m30s
